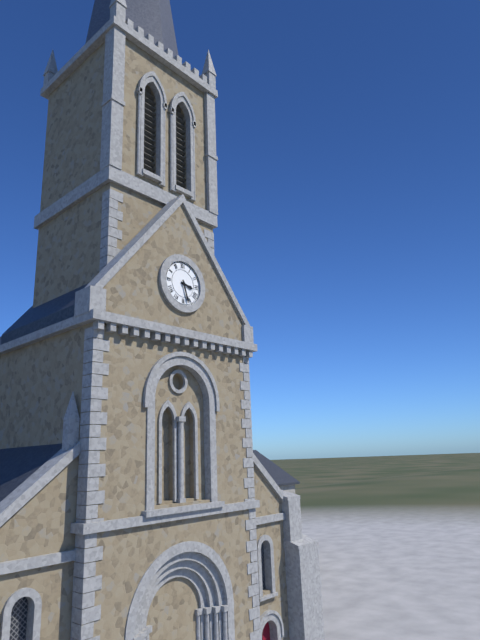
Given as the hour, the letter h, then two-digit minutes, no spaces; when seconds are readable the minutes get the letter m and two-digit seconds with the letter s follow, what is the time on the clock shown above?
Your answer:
3h27
